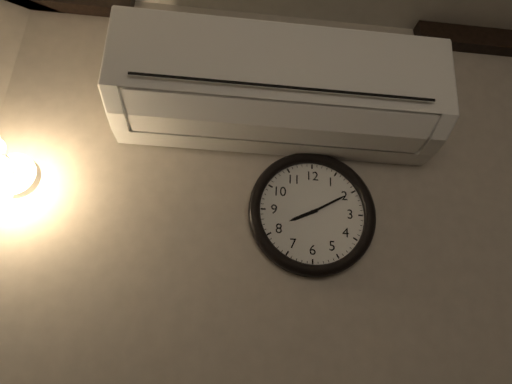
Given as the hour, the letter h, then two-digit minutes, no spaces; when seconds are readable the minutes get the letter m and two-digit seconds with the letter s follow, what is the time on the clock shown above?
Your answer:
8h10
